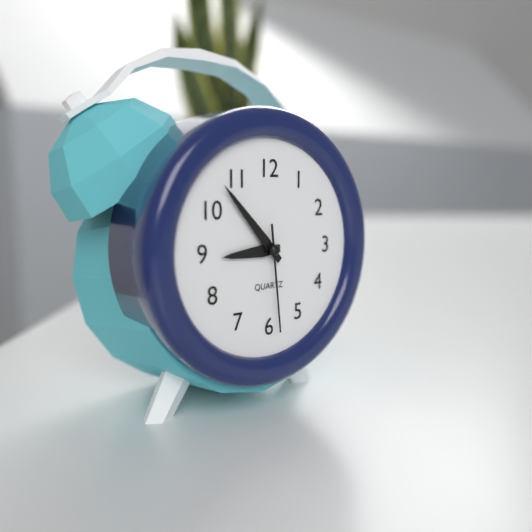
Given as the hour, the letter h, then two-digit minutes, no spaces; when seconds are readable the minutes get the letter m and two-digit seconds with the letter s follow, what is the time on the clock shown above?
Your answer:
8h53m29s
